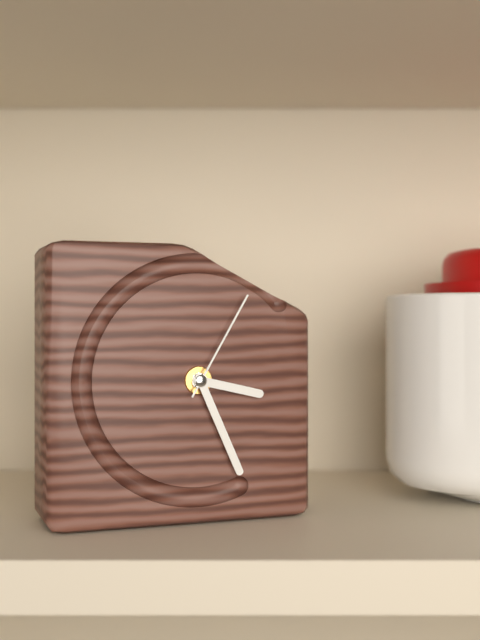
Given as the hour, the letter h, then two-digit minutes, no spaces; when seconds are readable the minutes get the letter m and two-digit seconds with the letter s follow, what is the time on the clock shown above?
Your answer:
3h26m05s
